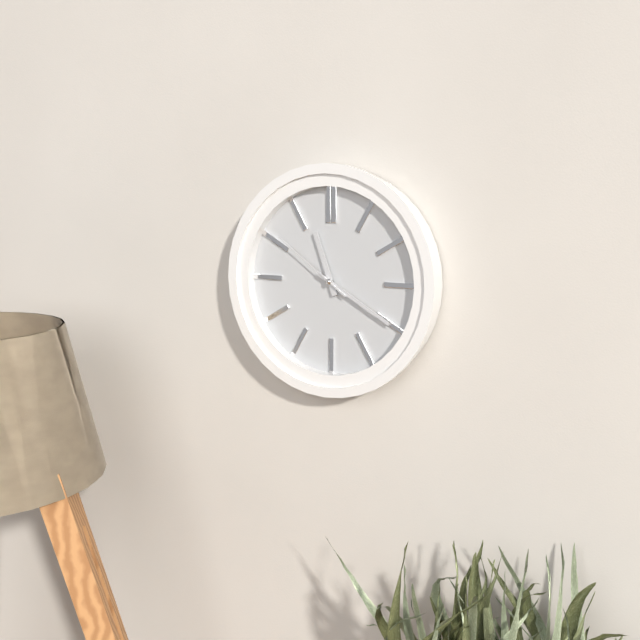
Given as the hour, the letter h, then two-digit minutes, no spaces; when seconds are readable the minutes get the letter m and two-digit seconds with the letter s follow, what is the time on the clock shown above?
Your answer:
11h20m51s
